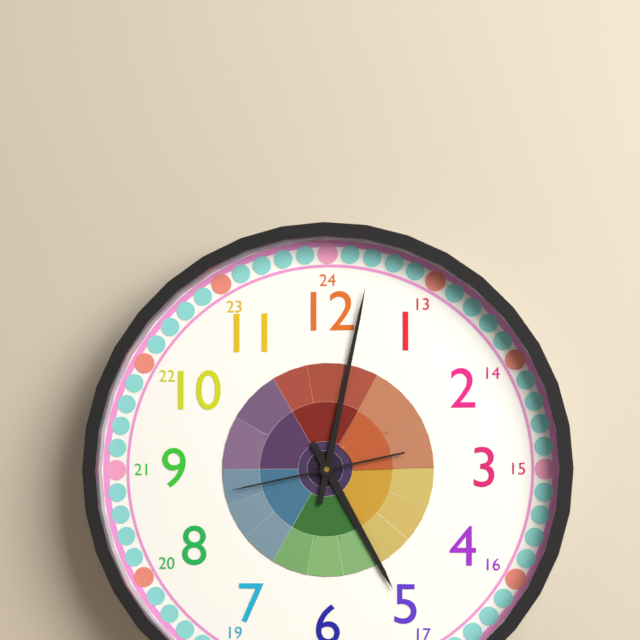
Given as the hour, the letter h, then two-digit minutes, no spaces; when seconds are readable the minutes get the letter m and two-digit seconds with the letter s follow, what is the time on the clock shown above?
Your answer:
5h02m43s
